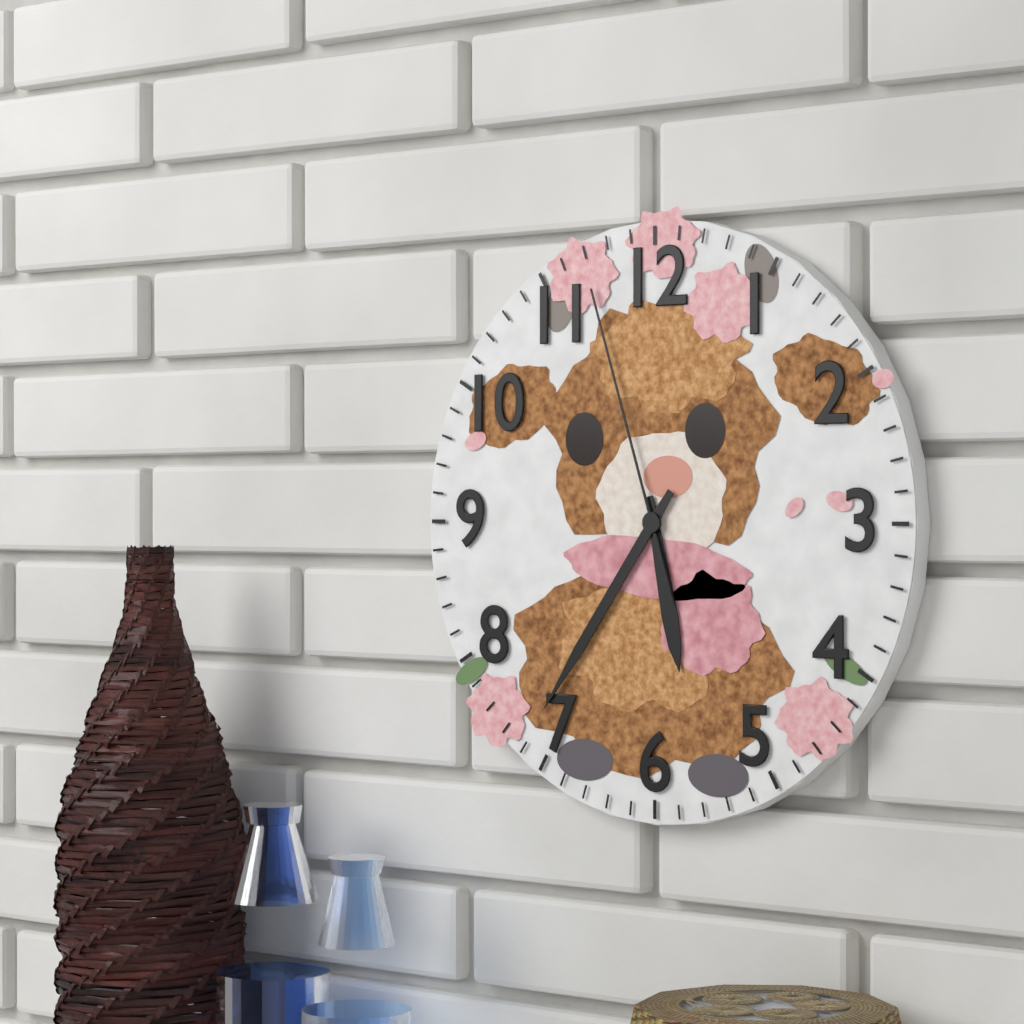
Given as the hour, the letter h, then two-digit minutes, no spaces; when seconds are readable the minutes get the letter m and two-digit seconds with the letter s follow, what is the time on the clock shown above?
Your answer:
5h36m57s
